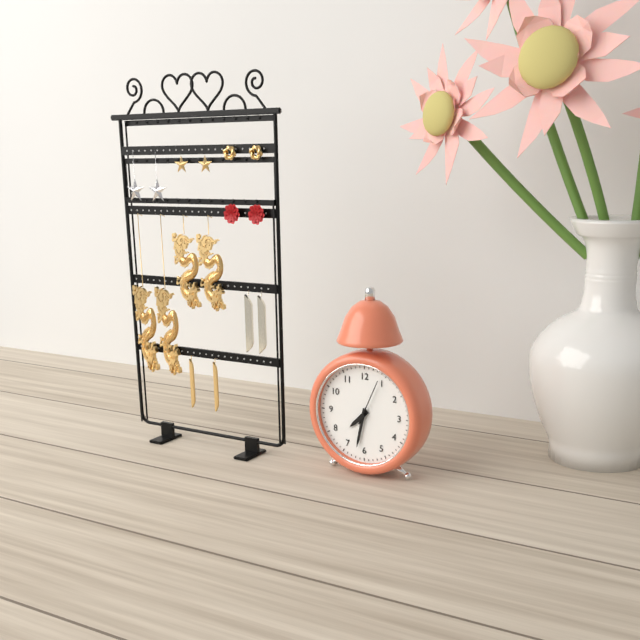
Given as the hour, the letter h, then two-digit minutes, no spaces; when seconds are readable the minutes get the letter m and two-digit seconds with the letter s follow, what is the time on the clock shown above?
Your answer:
7h32
